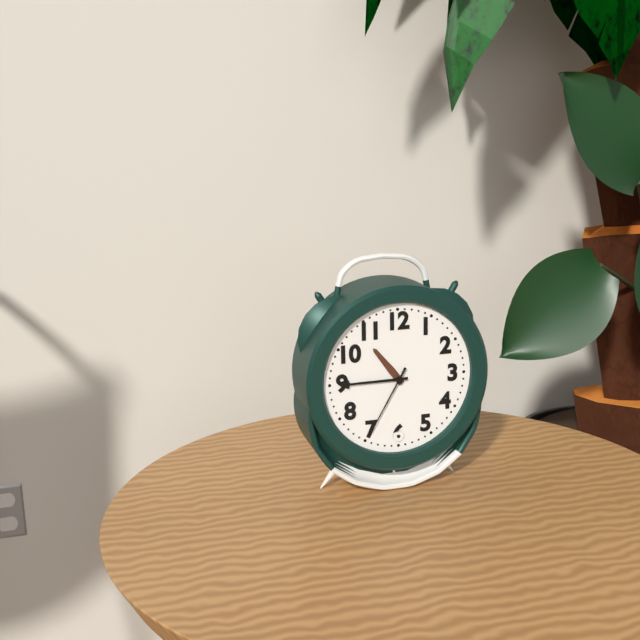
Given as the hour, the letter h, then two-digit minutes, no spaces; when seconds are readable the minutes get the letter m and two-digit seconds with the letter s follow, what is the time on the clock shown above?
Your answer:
10h45m35s
